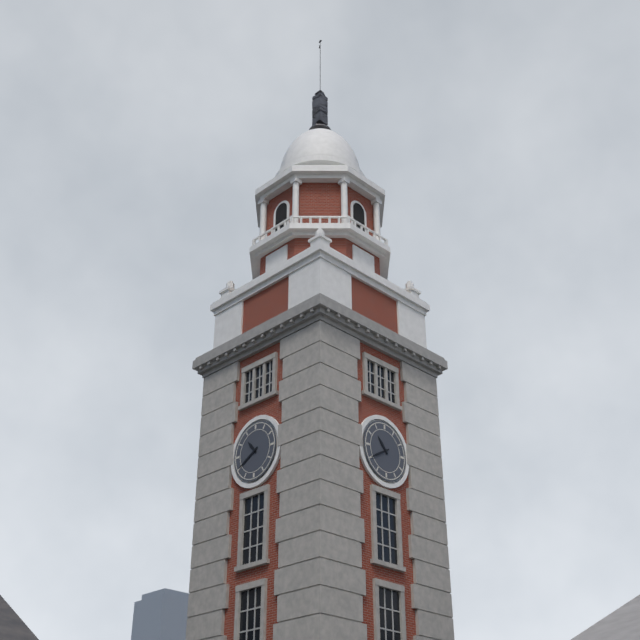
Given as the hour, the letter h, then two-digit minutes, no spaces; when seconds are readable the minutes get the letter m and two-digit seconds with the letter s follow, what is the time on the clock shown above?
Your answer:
10h40
